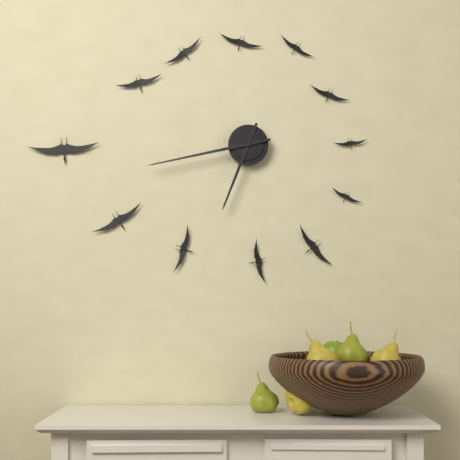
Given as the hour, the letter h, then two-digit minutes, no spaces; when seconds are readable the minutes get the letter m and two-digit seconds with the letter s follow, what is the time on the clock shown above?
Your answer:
6h43
